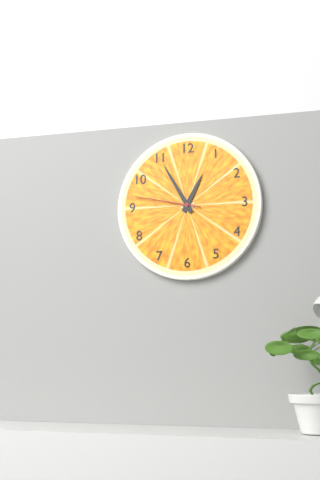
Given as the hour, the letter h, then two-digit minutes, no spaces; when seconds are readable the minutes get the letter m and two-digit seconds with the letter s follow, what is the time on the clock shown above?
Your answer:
12h55m47s
